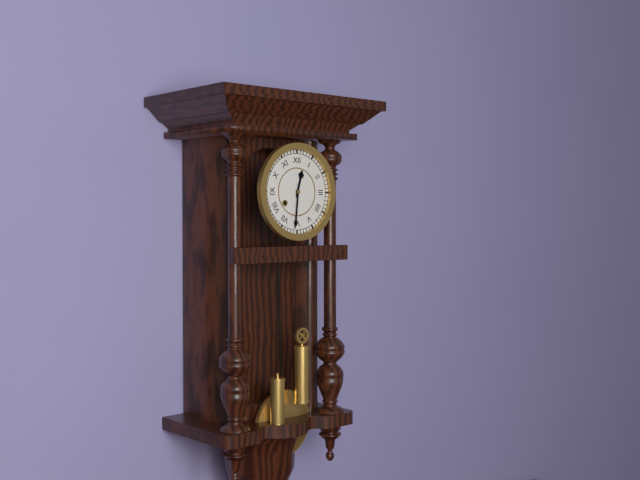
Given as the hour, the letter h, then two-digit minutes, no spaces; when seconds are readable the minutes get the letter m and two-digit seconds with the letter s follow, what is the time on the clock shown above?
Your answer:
12h31
